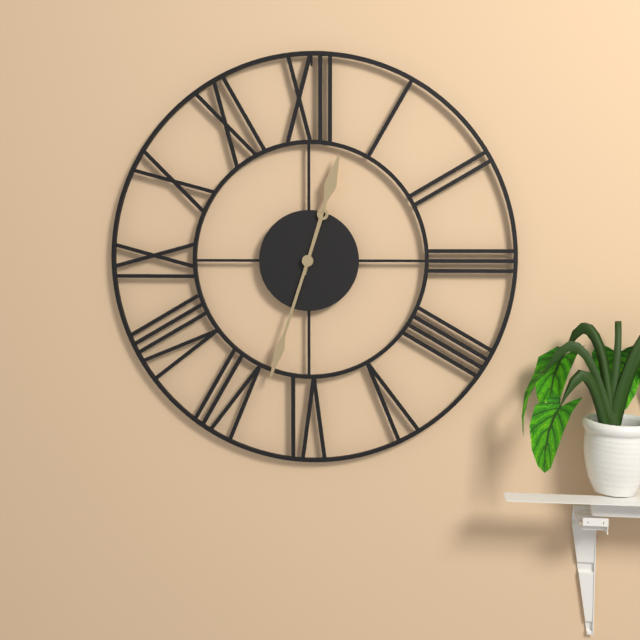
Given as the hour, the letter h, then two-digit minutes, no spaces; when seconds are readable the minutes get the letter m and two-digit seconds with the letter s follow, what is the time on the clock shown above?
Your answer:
12h33
